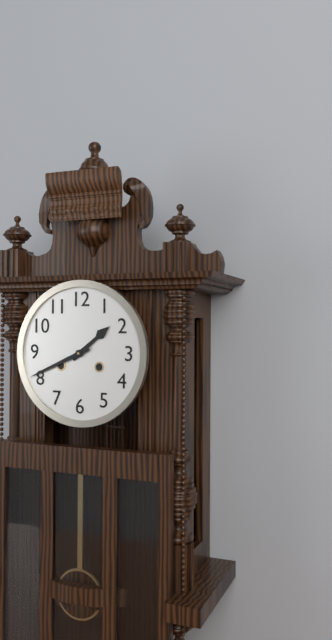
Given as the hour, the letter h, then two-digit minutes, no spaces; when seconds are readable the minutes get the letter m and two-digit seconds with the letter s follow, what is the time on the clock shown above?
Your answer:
1h41
